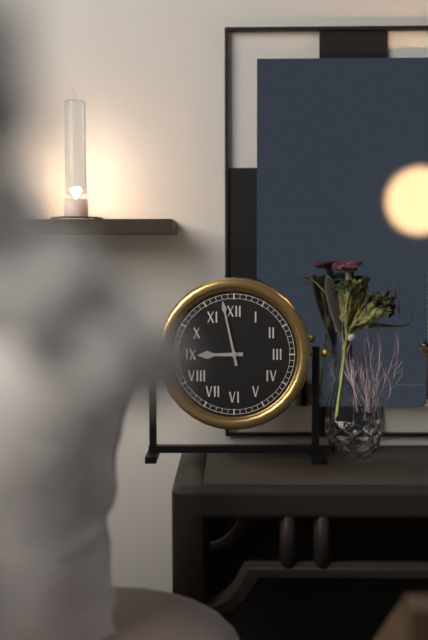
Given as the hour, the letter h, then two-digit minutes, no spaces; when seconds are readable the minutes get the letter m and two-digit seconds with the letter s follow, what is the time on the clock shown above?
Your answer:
8h58
